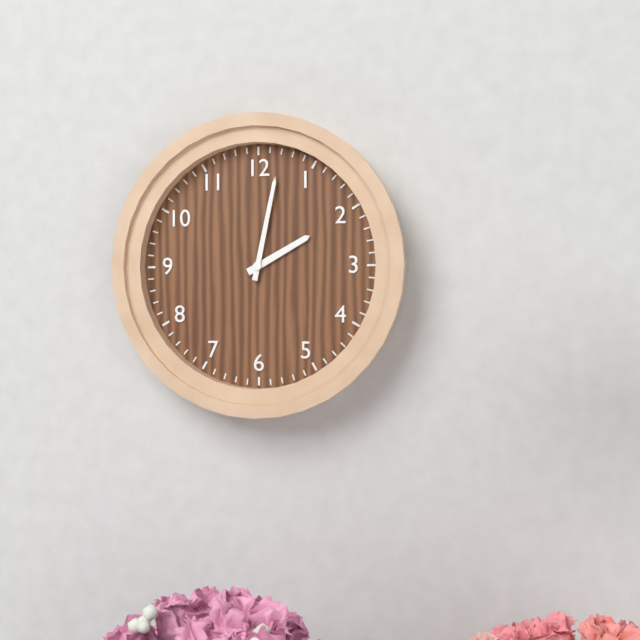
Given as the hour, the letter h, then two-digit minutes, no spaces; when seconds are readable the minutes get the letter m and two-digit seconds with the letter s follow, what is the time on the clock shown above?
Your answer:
2h02
